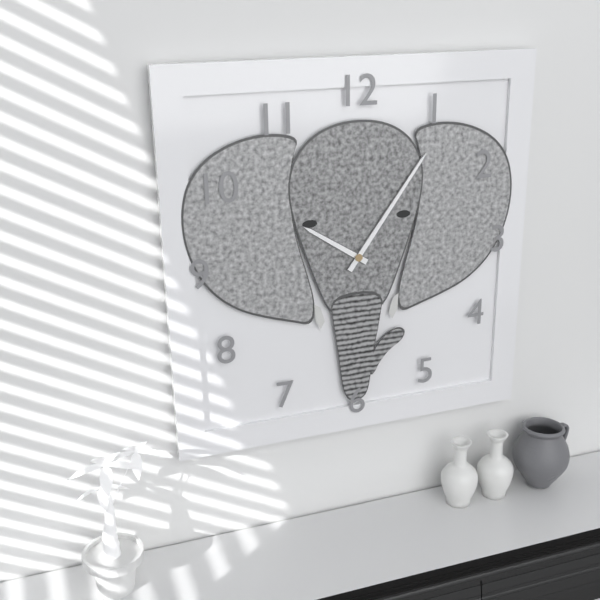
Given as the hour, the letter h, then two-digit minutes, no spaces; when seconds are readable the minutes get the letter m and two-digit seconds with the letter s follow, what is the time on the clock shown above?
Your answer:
10h06
